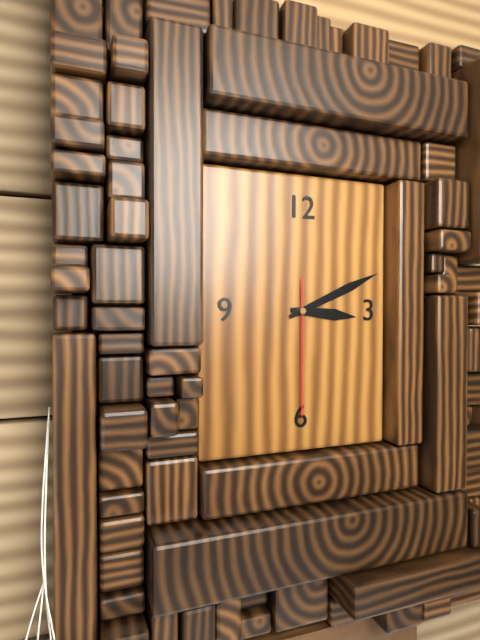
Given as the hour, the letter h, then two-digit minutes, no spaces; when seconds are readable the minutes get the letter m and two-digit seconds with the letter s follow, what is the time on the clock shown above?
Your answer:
3h11m30s
